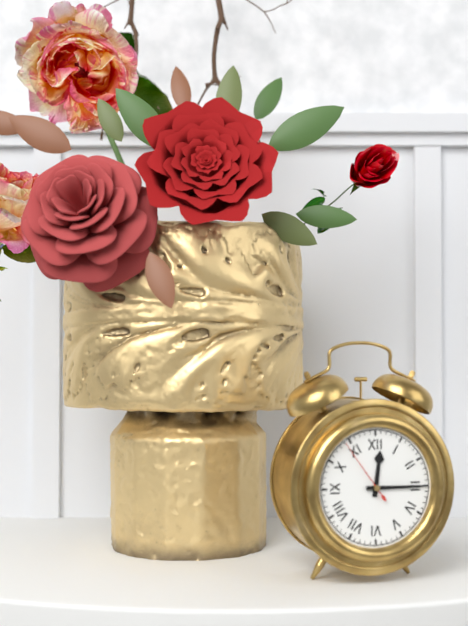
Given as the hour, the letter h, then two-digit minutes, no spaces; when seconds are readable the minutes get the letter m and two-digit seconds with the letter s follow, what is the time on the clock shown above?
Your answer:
12h15m54s
